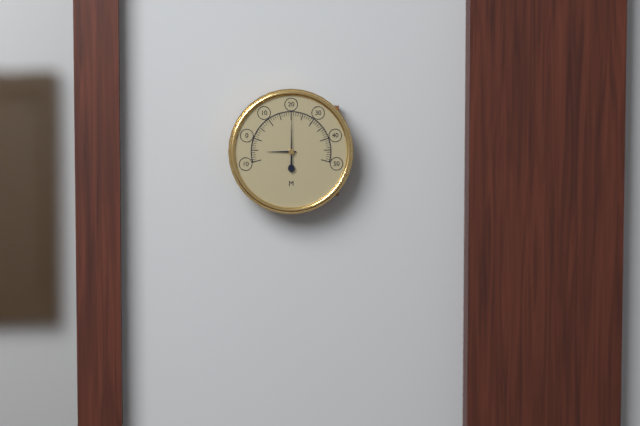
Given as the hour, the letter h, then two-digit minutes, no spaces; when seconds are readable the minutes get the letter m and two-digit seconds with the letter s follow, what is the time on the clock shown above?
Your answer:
9h00
